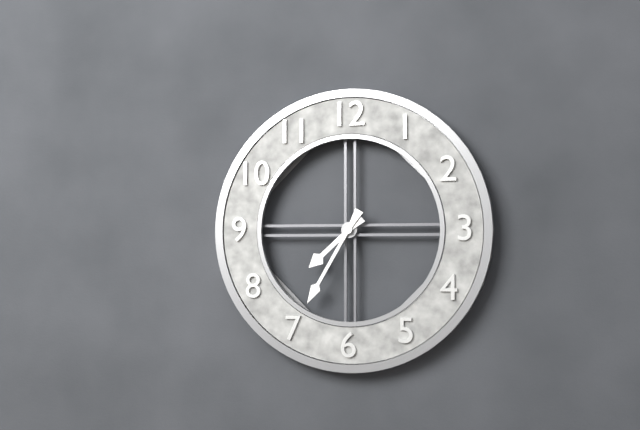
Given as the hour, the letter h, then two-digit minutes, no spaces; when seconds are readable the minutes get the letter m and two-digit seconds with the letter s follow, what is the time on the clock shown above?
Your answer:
7h35
